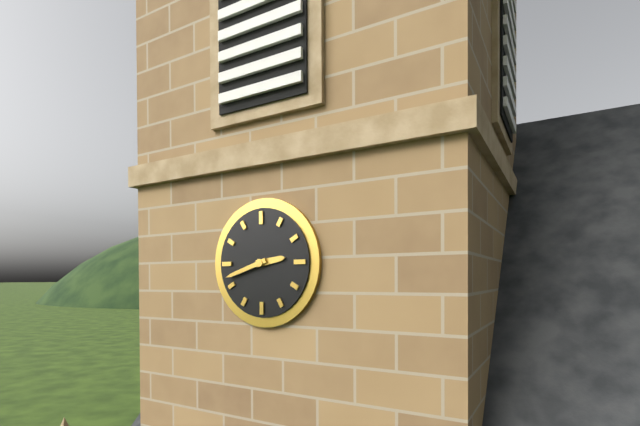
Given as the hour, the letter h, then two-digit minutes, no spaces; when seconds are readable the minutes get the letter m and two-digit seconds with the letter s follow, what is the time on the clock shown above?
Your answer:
2h42
